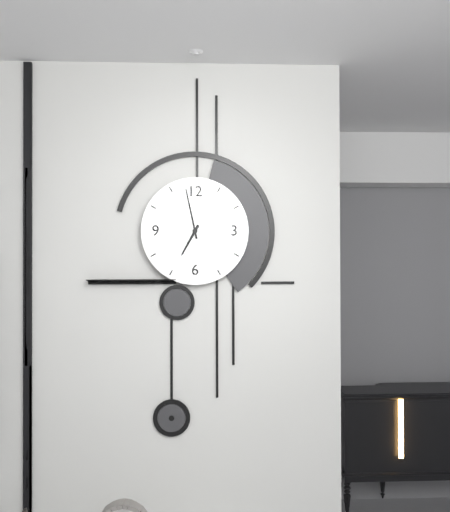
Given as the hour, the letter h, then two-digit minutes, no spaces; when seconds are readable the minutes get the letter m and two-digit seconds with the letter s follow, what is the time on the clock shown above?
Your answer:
6h58
